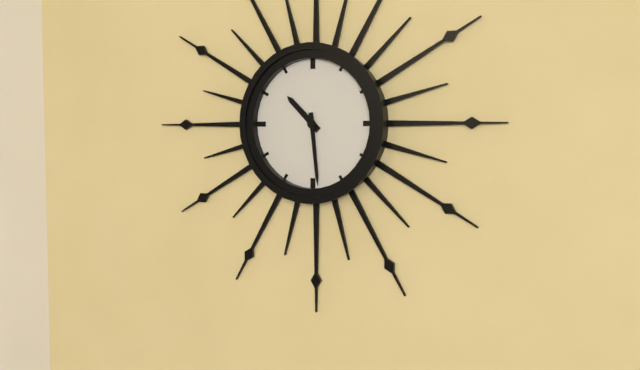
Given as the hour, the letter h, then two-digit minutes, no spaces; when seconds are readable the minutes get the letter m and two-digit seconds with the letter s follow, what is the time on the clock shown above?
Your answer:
10h29
